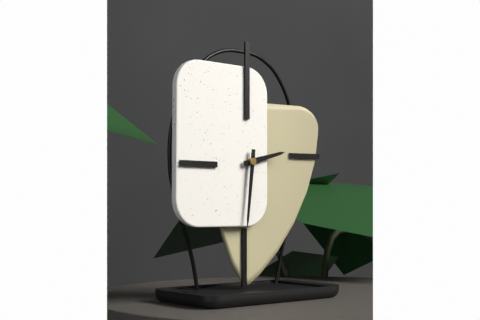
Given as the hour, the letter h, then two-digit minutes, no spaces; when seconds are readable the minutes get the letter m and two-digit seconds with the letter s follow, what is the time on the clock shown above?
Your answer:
2h31
